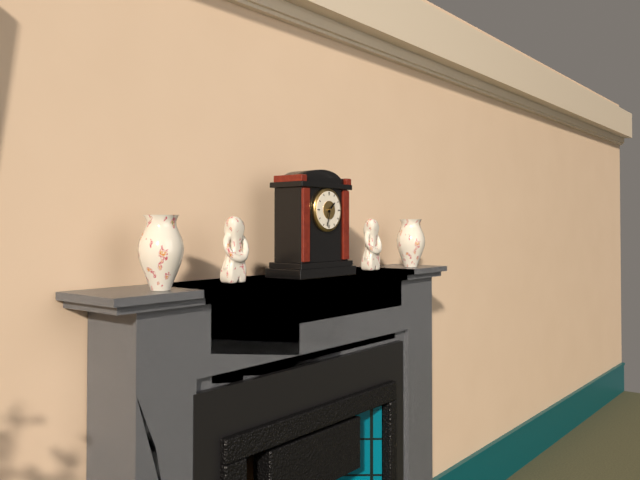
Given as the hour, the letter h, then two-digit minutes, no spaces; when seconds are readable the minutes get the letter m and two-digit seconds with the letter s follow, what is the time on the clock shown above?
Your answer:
1h33
